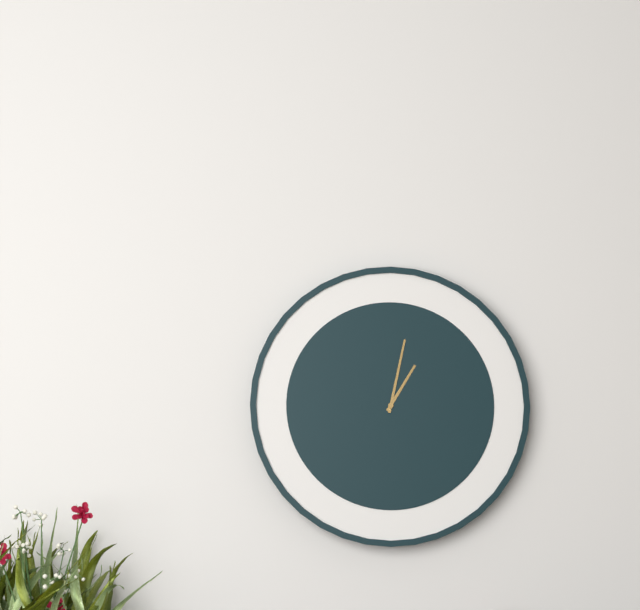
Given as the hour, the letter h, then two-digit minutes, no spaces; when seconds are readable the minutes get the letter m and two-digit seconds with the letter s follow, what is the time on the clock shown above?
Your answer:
1h02
